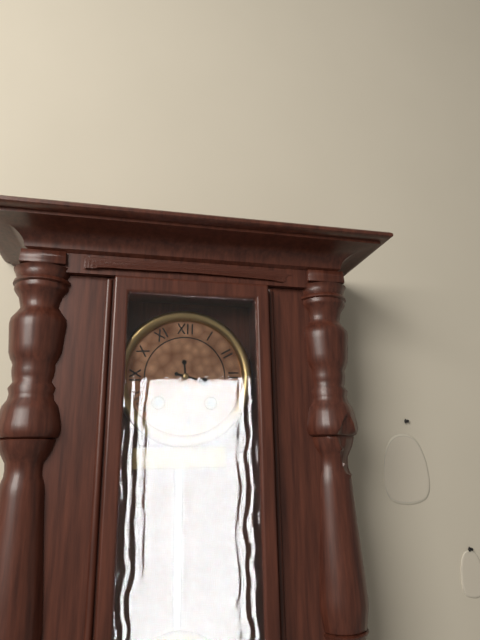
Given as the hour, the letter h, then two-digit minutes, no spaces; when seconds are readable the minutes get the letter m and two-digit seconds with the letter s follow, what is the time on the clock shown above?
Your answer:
3h29
